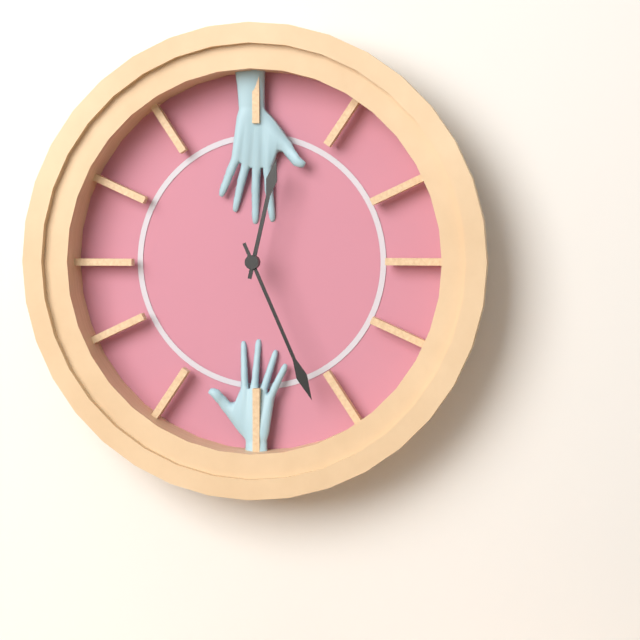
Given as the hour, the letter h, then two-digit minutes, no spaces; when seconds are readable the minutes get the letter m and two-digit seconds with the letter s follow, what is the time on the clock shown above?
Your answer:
12h26
